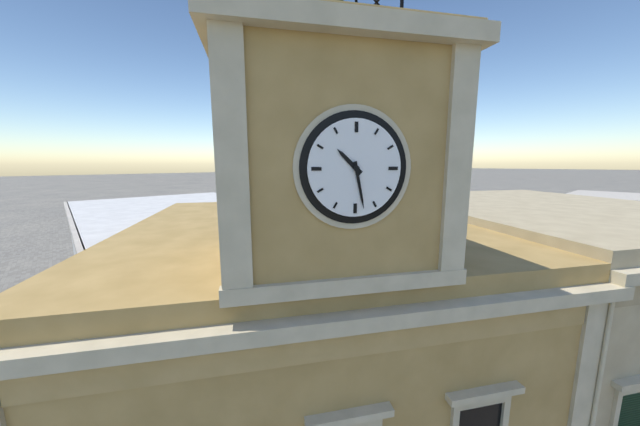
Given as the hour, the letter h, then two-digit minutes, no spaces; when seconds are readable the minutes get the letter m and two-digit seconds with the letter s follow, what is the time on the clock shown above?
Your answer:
10h28
